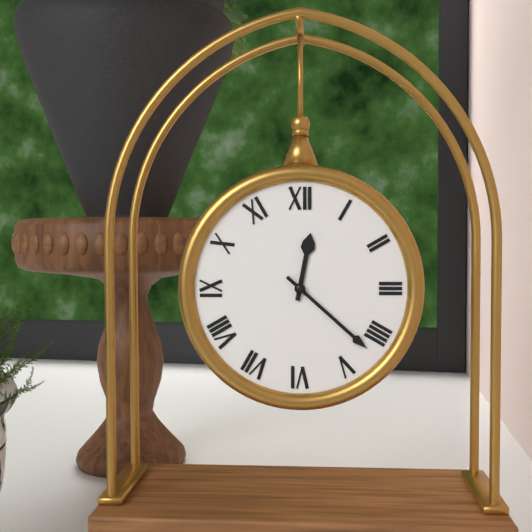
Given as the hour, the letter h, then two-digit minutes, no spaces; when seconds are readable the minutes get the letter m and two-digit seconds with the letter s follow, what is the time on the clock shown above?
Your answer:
12h22
